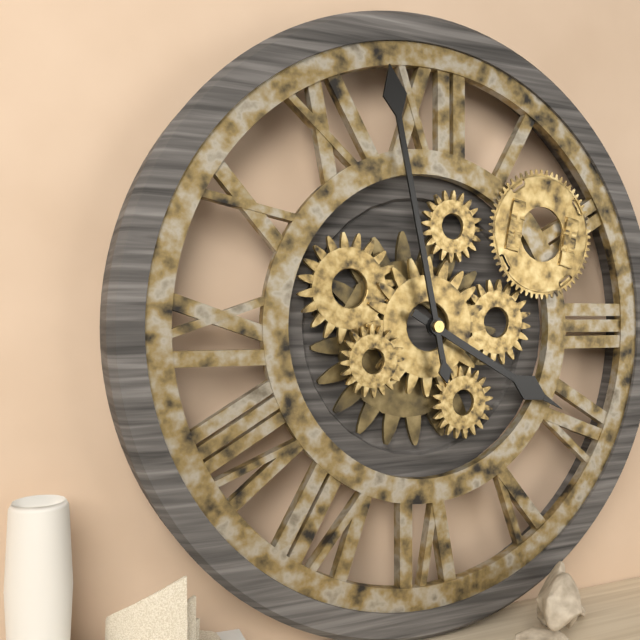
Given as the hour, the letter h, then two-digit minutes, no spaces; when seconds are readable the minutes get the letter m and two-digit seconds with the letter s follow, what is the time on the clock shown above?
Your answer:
3h58
